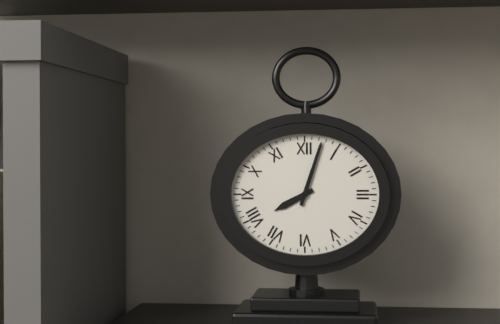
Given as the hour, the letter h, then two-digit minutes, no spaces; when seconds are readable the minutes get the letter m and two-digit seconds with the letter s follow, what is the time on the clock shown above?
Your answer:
8h03
